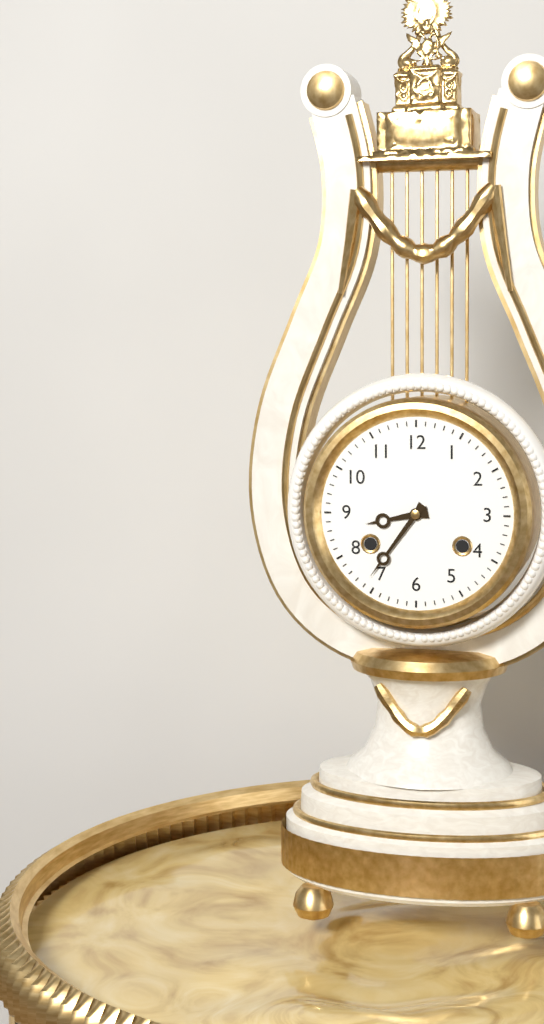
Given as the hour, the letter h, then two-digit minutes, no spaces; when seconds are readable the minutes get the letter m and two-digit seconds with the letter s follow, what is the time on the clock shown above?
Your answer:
8h36
